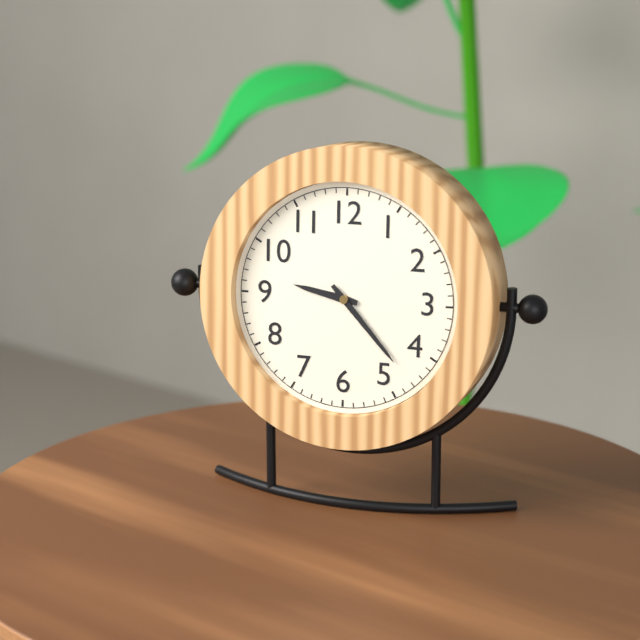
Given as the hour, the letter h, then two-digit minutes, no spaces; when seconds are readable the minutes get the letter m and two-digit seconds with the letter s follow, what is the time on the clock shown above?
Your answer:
9h23
